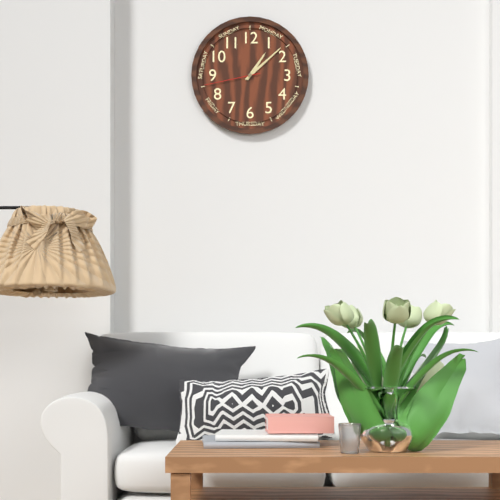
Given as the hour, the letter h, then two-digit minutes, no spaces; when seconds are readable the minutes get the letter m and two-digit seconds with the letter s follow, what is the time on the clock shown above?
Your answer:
1h08m43s
